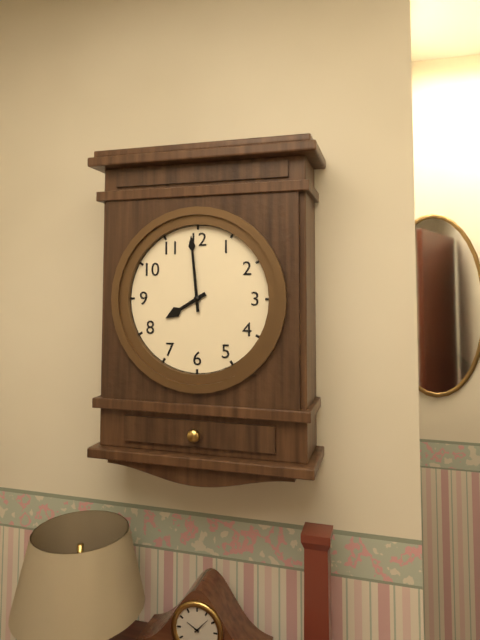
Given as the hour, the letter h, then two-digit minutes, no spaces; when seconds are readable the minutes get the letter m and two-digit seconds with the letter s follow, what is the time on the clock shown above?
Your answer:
7h59
